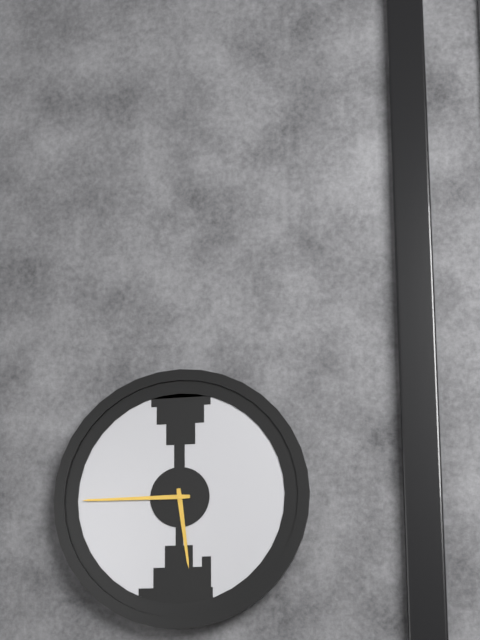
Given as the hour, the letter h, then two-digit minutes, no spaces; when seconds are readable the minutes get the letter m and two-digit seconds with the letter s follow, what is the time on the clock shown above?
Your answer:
5h45
